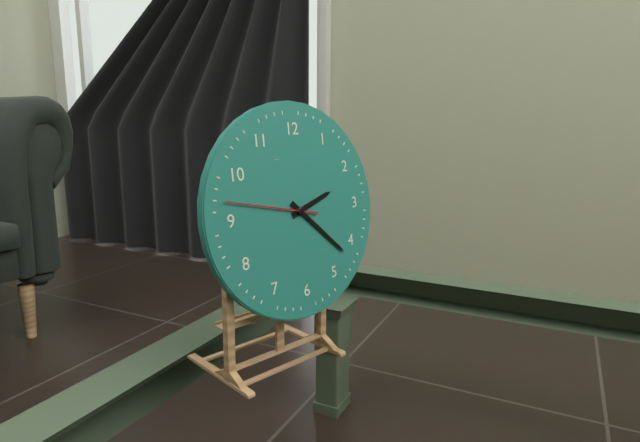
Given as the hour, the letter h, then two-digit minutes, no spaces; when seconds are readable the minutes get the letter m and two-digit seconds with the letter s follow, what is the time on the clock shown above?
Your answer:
2h22m47s
